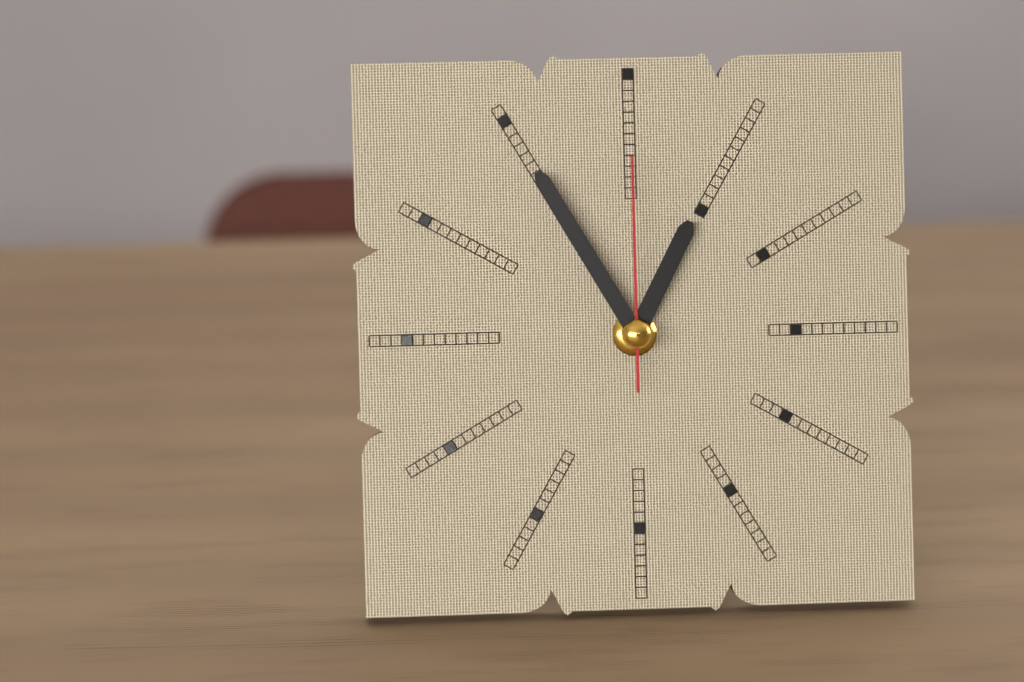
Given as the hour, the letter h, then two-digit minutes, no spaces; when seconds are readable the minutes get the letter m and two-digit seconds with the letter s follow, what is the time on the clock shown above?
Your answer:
12h55m00s
